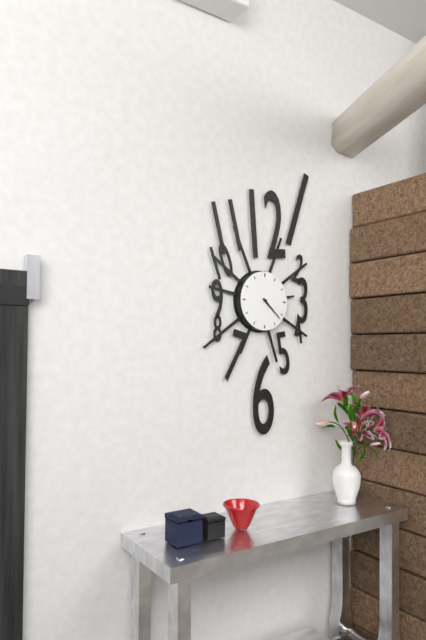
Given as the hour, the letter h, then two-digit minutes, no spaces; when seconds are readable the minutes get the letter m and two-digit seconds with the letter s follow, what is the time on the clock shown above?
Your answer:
4h22
